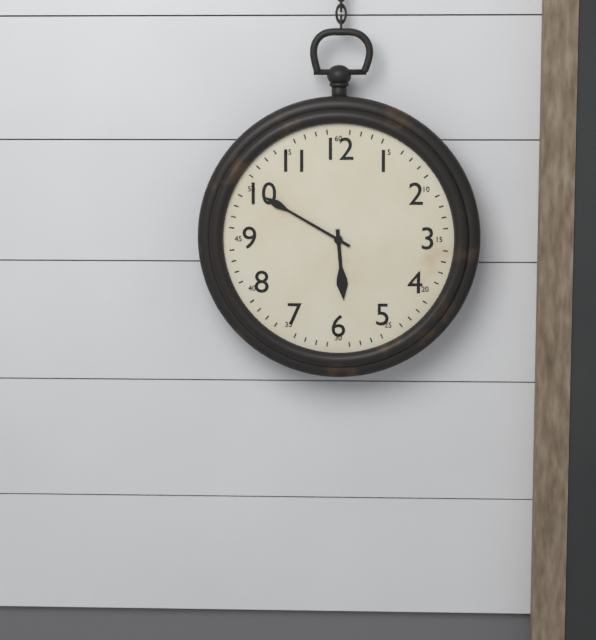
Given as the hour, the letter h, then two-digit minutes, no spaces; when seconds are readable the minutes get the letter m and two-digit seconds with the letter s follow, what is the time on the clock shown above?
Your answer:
5h50
